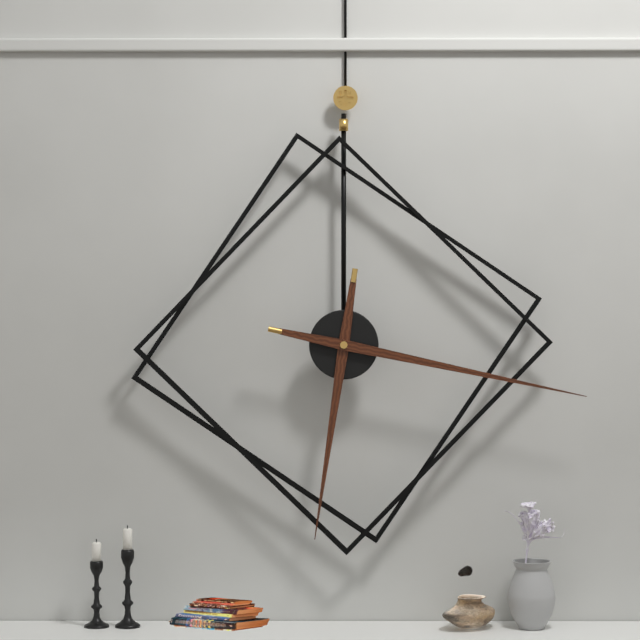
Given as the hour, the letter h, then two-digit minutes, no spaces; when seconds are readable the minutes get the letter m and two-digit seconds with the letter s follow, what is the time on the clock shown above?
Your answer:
6h17
